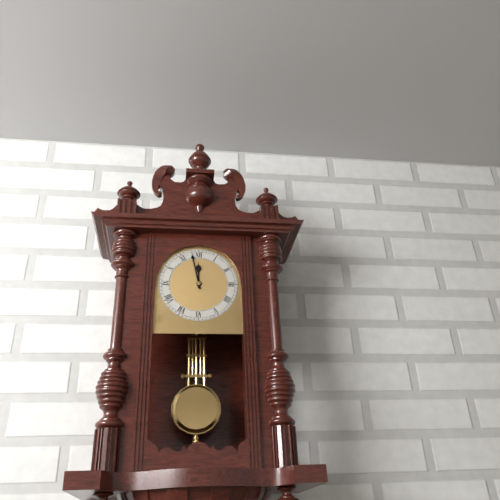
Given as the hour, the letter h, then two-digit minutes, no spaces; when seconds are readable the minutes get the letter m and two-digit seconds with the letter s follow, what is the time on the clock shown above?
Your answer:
11h58
